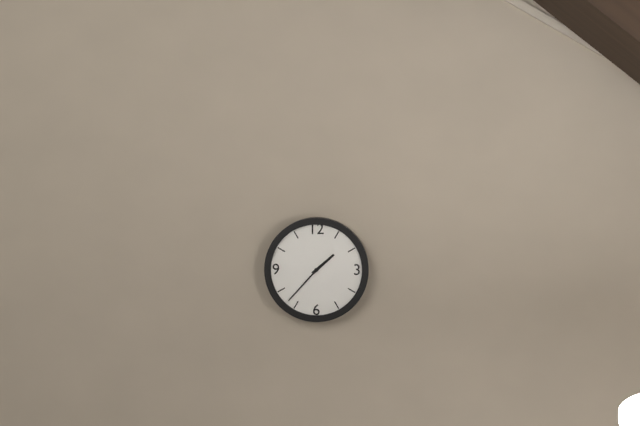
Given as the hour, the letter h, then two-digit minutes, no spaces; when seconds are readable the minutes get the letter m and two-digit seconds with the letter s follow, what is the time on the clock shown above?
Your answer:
1h37
